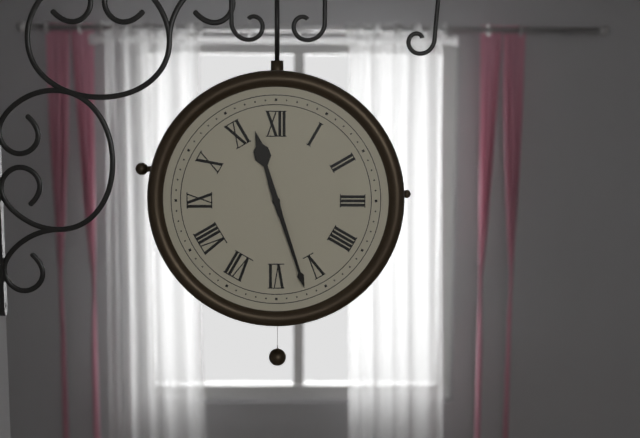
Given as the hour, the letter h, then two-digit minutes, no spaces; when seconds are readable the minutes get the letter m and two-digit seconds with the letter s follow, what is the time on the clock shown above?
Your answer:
11h27
